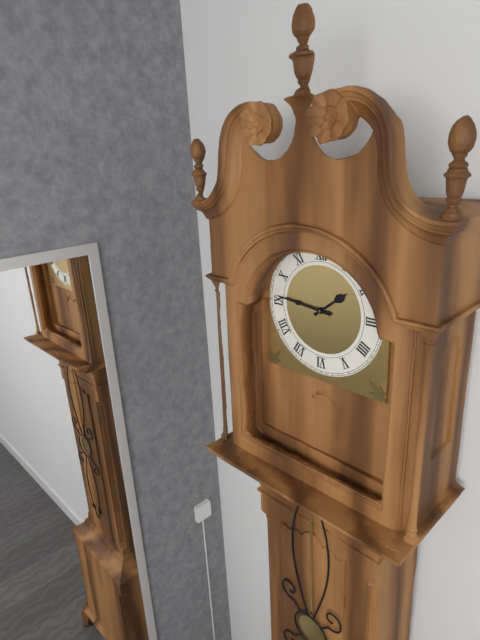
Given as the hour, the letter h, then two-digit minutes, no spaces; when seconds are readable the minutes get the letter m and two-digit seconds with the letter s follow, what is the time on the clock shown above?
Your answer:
1h46
